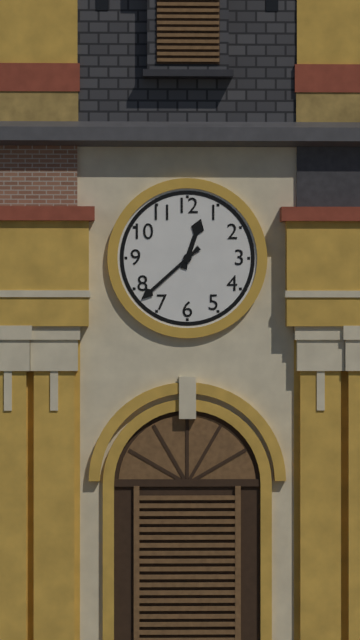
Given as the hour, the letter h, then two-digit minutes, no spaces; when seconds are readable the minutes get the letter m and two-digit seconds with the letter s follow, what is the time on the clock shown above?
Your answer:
12h38
